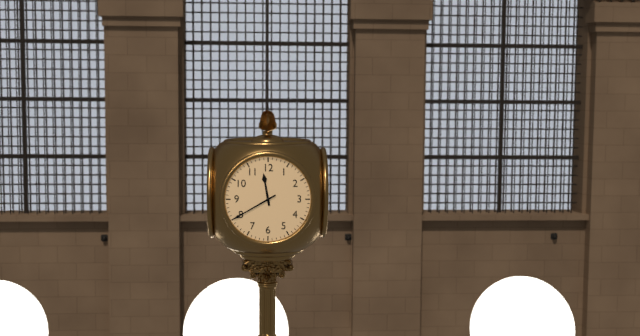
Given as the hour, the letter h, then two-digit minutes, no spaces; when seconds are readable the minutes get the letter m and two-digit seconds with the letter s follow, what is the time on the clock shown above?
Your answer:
11h40
